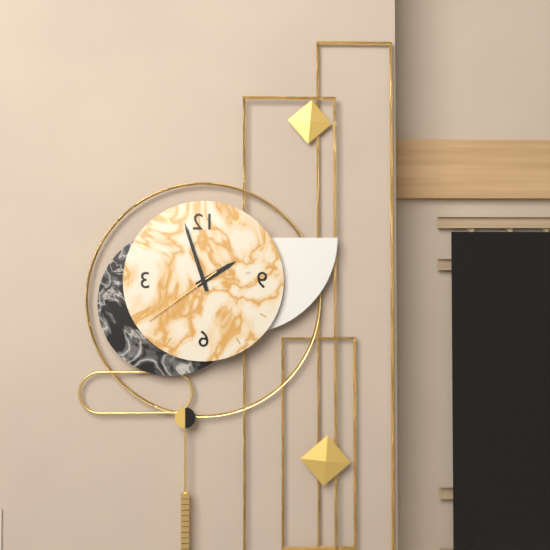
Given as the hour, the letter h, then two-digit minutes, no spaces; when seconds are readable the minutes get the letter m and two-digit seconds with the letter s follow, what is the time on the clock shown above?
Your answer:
1h57m39s
